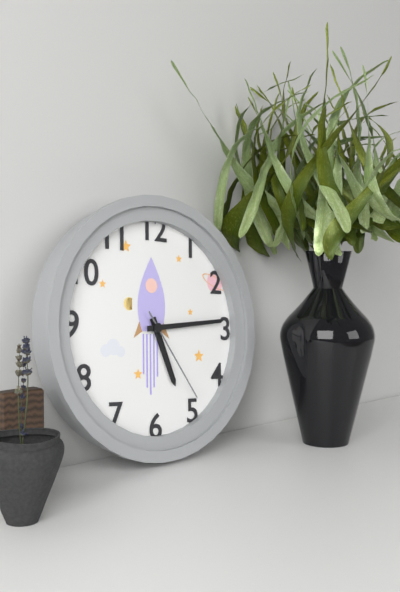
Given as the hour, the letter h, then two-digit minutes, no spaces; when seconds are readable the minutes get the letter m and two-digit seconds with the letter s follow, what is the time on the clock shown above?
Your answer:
5h14m24s
